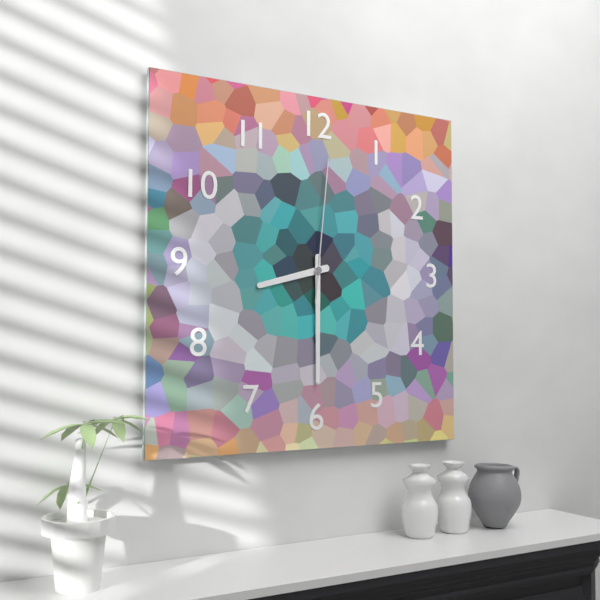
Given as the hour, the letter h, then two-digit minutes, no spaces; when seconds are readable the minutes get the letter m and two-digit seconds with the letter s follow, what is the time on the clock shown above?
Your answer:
8h30m01s
